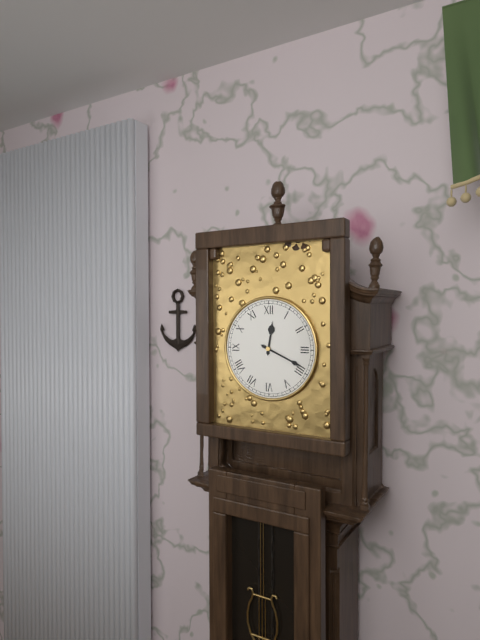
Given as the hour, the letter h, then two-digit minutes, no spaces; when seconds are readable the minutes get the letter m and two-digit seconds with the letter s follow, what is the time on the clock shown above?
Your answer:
12h19
